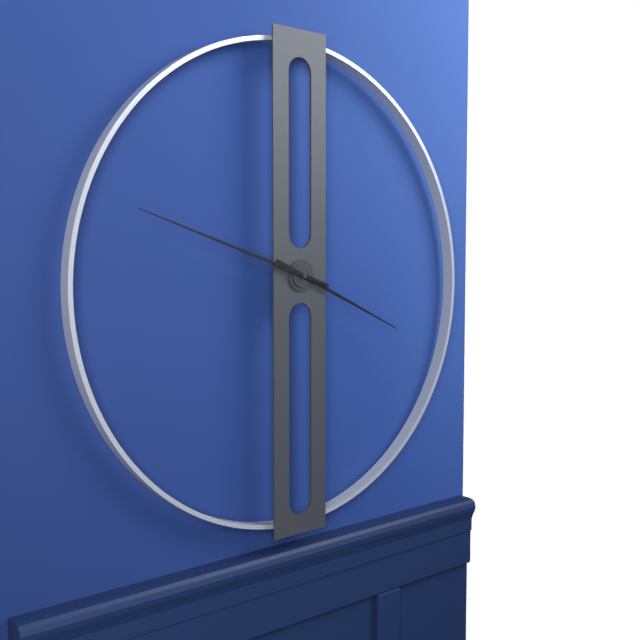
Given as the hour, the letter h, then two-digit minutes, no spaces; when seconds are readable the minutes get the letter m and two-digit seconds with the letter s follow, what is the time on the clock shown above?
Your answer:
3h48
